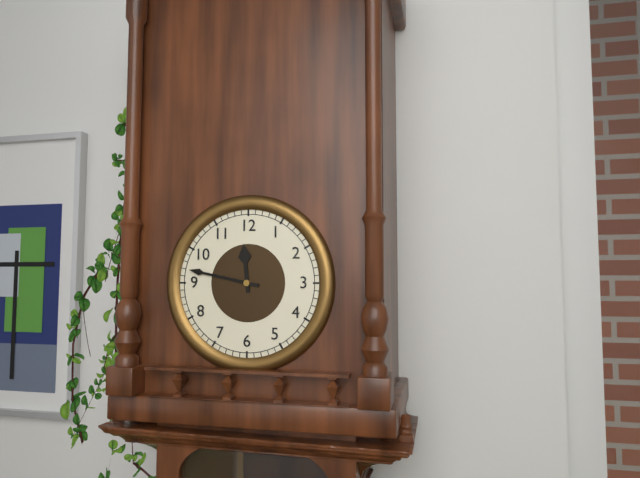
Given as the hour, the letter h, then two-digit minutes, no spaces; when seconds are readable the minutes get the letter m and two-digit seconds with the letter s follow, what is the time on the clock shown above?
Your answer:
11h47
